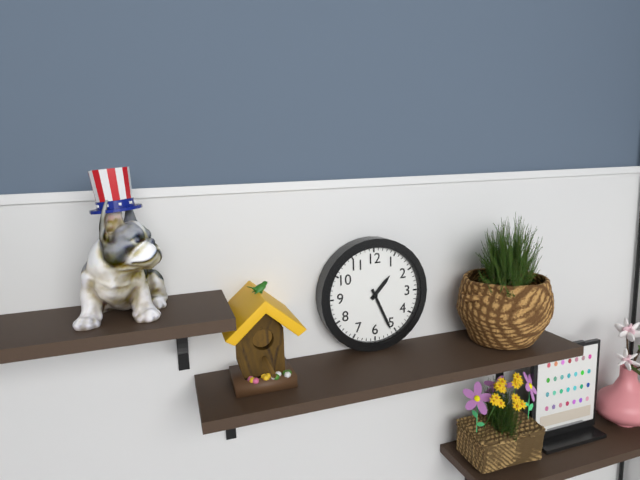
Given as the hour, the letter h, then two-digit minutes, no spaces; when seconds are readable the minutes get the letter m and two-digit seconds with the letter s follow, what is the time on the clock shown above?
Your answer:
1h26
